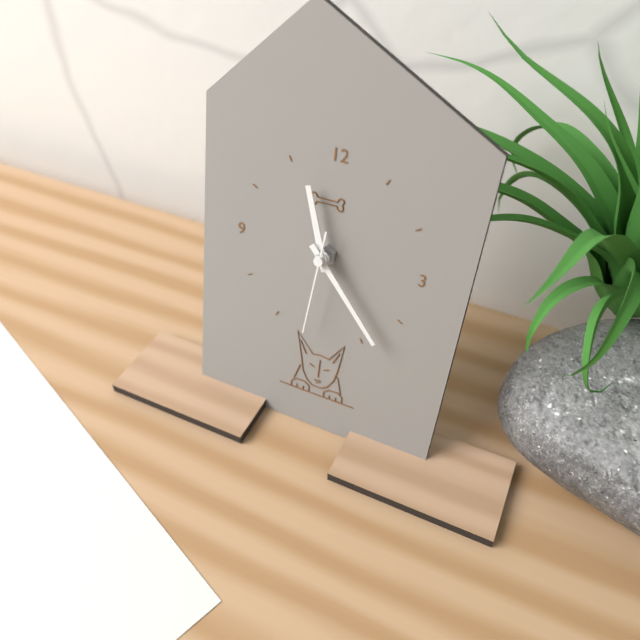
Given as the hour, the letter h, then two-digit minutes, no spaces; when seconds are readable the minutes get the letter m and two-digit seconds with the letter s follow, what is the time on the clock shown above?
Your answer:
11h23m31s
